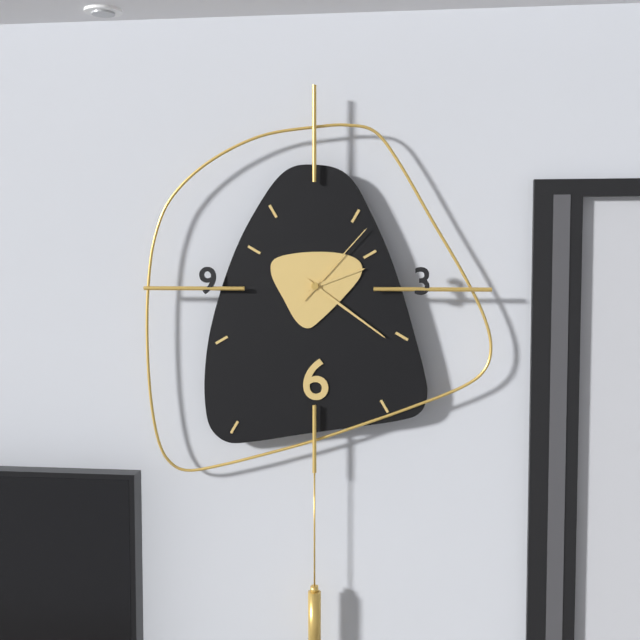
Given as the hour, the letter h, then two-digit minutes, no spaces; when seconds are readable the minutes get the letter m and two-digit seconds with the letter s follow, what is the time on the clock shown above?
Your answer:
2h21m07s
